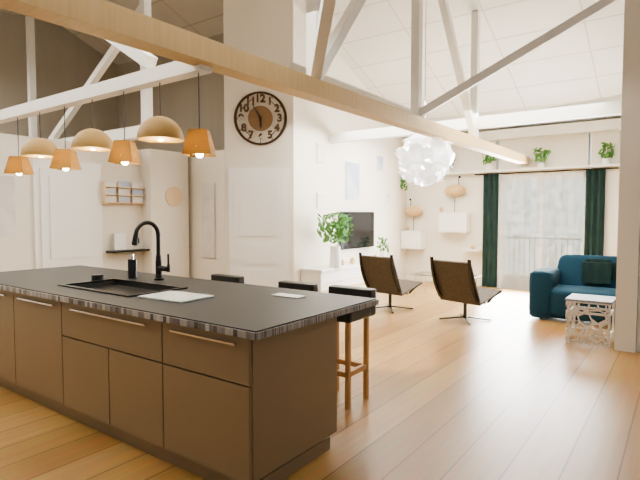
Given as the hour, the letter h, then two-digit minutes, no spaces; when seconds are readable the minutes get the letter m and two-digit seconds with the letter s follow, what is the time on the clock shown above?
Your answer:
5h55
